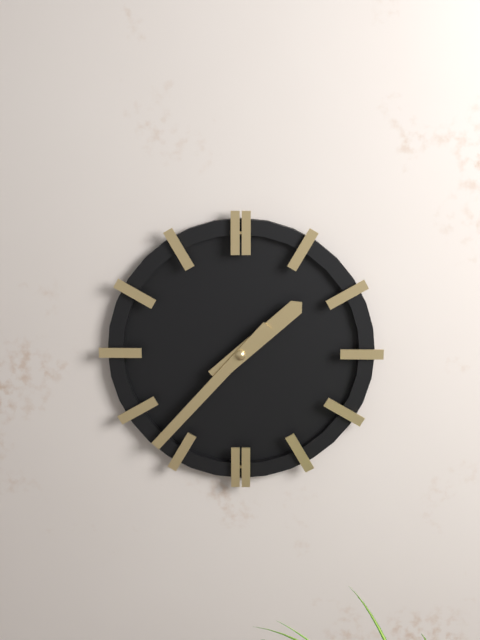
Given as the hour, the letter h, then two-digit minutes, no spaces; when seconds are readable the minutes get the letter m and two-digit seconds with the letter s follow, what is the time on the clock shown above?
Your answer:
1h37
